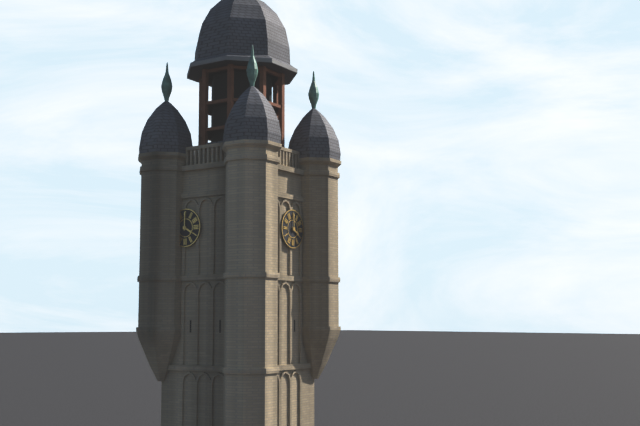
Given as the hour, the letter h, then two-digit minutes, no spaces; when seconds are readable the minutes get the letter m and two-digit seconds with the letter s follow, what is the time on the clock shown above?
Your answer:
4h00
